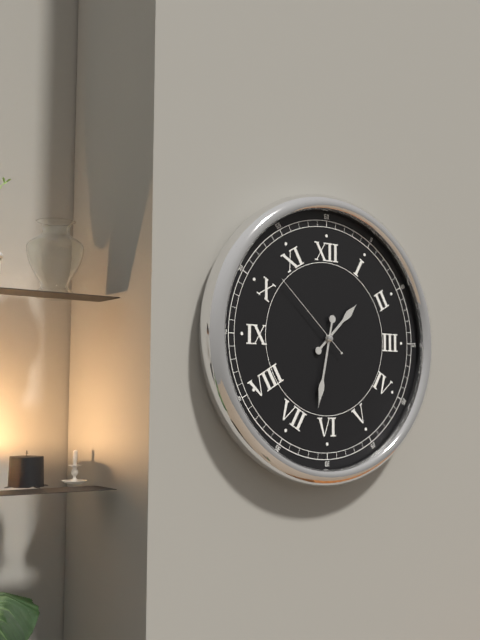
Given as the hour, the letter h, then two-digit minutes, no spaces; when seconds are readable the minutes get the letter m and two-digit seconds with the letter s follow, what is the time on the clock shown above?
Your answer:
1h32m52s
